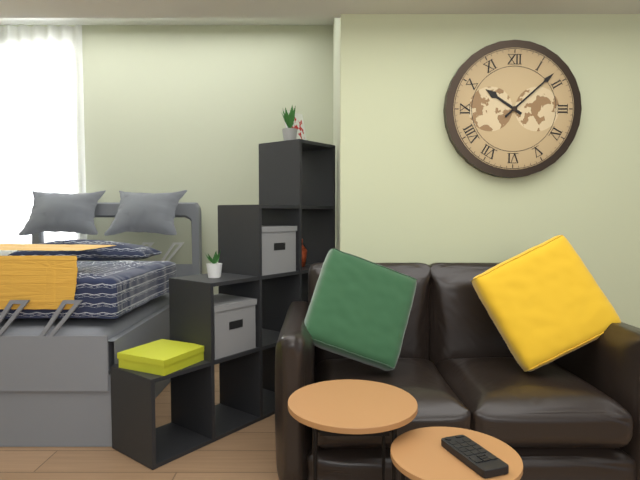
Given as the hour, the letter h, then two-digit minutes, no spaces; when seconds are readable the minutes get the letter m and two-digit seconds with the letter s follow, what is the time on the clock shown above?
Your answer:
10h08
